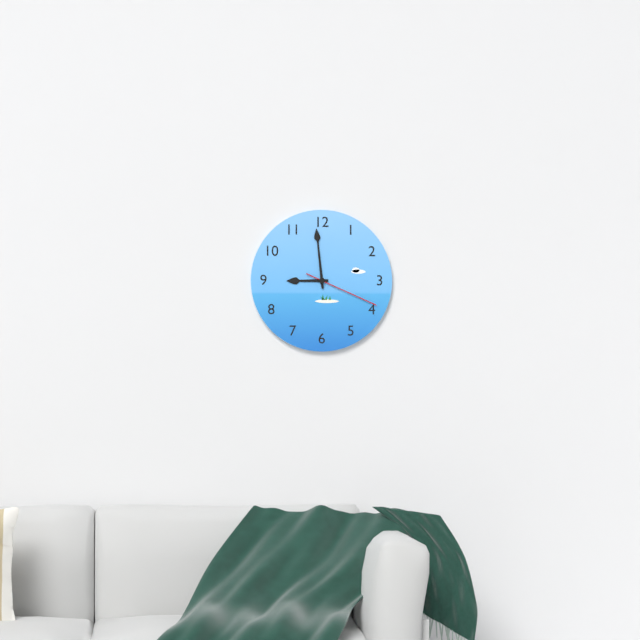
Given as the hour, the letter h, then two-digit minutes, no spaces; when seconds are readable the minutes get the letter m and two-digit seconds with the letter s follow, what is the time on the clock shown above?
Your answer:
8h59m19s
